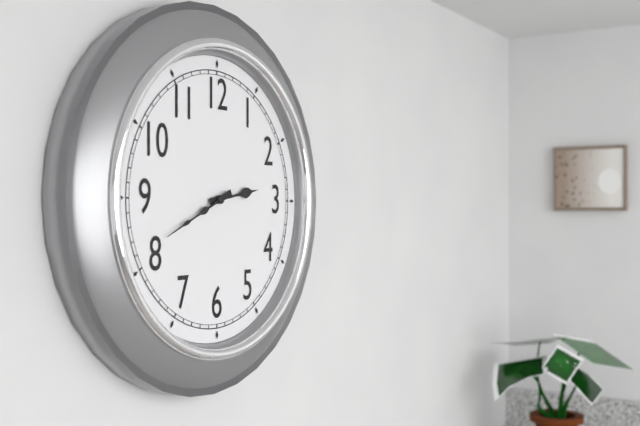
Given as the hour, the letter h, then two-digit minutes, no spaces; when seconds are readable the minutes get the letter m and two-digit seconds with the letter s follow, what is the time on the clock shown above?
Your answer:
2h41
